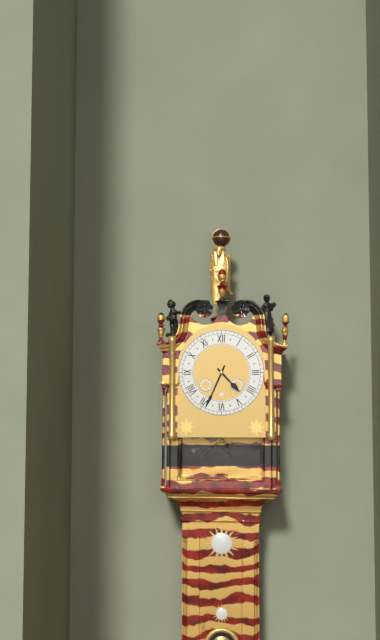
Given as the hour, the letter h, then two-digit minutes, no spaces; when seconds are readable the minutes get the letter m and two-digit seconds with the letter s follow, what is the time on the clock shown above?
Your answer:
4h34
